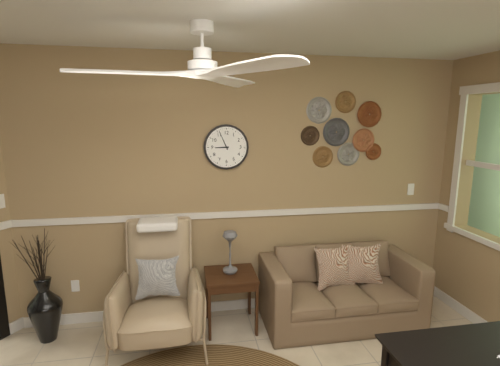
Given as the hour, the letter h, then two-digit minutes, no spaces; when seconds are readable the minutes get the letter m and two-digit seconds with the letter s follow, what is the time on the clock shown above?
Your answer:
8h56
